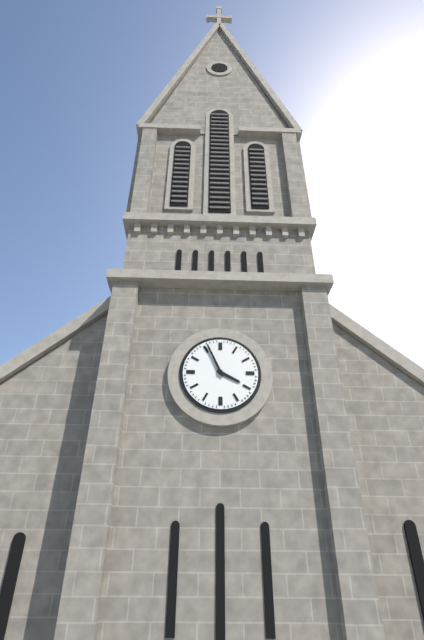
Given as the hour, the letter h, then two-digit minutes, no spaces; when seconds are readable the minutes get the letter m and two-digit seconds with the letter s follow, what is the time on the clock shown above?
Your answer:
3h56
